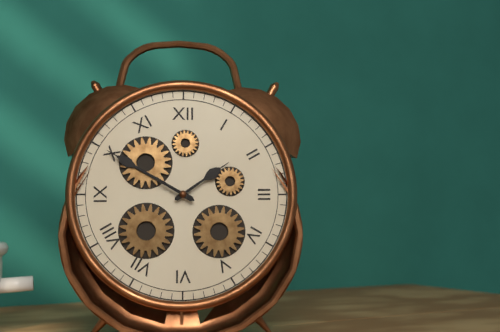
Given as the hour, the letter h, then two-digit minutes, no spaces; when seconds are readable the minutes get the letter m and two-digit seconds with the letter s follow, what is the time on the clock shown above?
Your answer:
1h50
